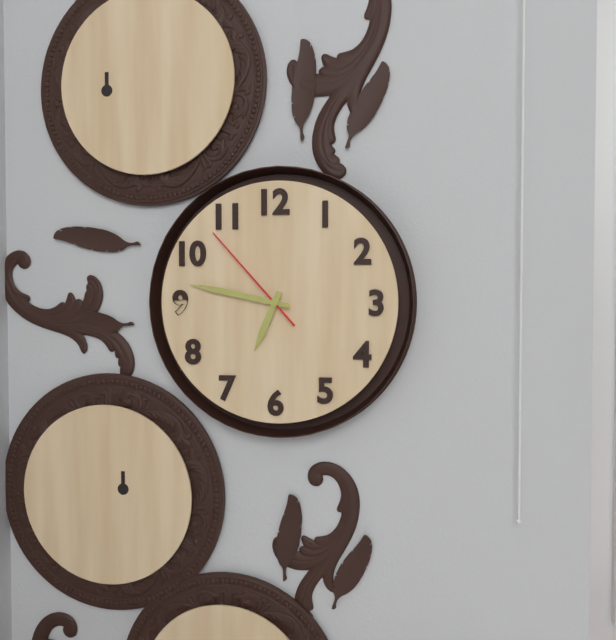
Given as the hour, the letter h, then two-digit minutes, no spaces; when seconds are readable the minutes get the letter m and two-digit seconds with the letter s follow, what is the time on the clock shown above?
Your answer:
6h47m53s
